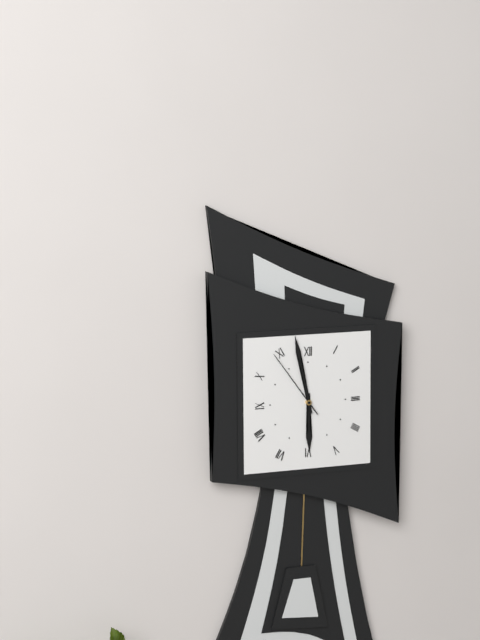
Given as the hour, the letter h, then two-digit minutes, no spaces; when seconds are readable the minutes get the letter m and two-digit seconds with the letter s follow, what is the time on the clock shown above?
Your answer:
5h58m54s
